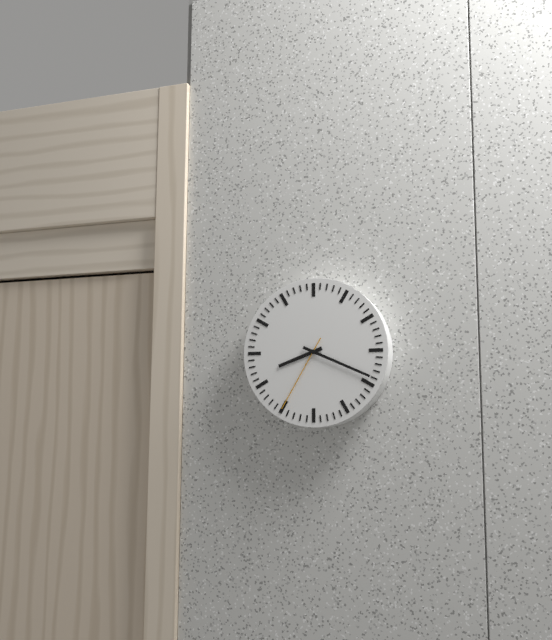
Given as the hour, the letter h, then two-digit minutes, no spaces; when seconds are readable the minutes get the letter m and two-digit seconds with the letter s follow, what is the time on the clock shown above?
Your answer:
8h19m35s
